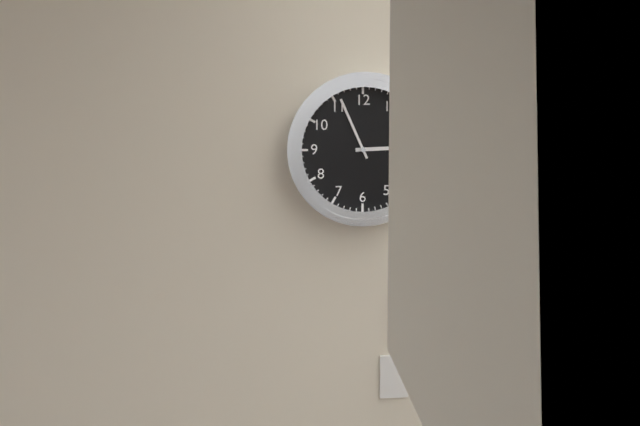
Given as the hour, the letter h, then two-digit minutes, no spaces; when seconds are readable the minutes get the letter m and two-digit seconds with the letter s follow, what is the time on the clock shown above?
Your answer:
2h56
